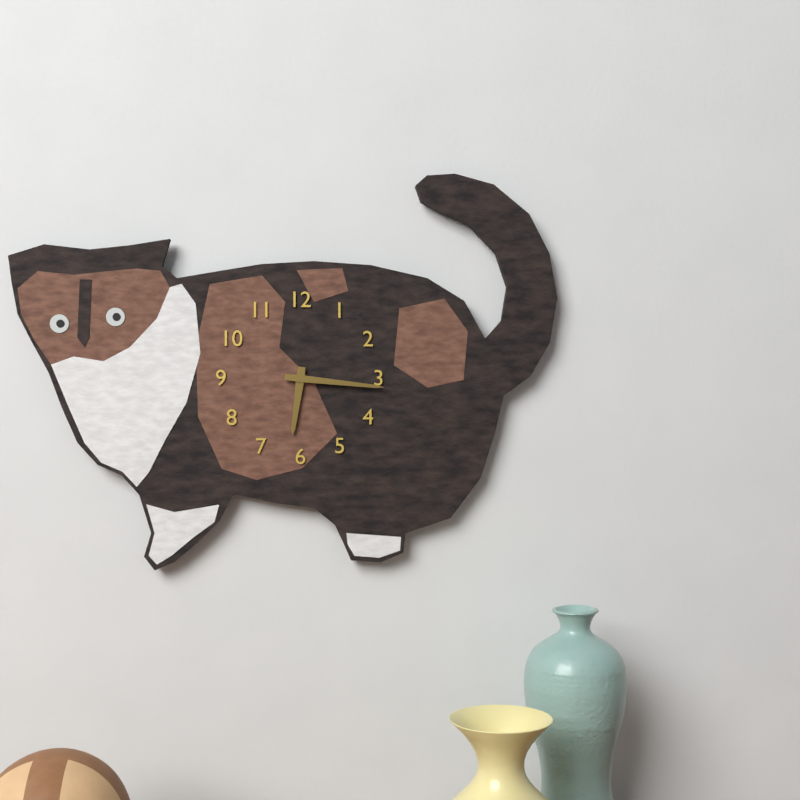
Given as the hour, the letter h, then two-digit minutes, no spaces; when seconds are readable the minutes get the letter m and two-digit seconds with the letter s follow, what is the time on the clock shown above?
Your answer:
6h16
